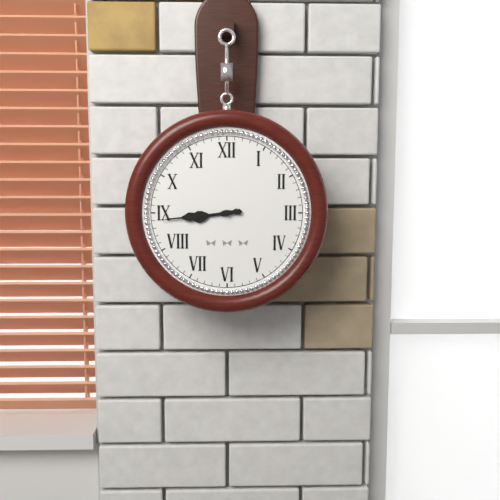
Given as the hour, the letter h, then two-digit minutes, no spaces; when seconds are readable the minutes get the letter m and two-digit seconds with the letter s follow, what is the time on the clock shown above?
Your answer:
8h44
